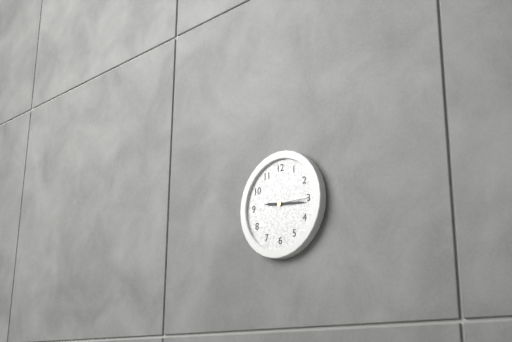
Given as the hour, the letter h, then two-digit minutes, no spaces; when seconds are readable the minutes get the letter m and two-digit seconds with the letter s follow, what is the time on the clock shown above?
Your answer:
9h16
